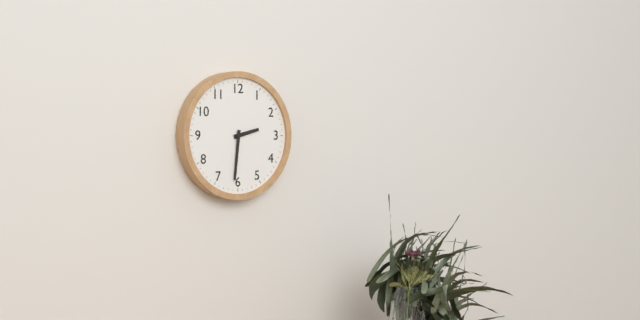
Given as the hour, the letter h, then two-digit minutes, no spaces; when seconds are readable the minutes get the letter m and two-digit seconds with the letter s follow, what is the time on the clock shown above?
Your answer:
2h31
